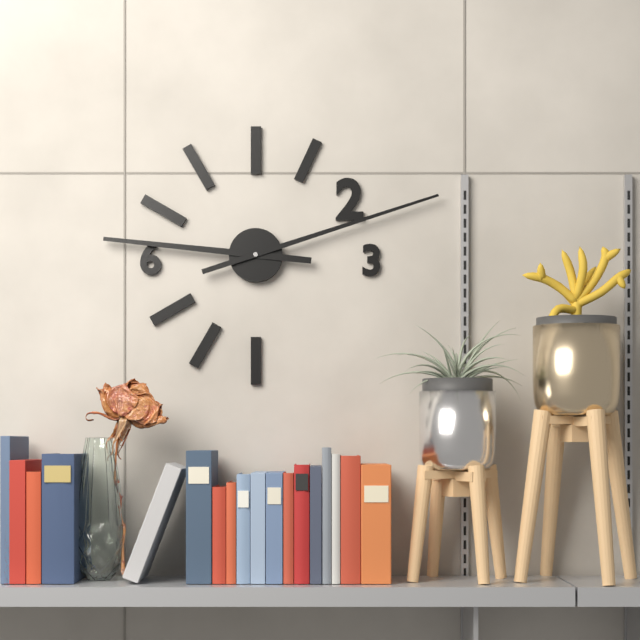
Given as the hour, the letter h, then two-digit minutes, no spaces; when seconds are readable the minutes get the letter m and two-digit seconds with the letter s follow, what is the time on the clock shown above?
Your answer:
9h12
